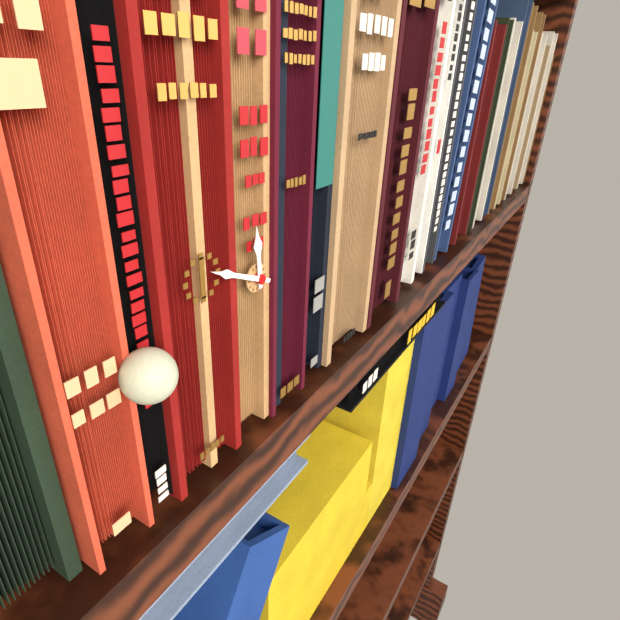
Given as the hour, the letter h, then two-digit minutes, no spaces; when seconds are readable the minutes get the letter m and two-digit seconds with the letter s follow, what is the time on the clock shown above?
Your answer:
11h49
